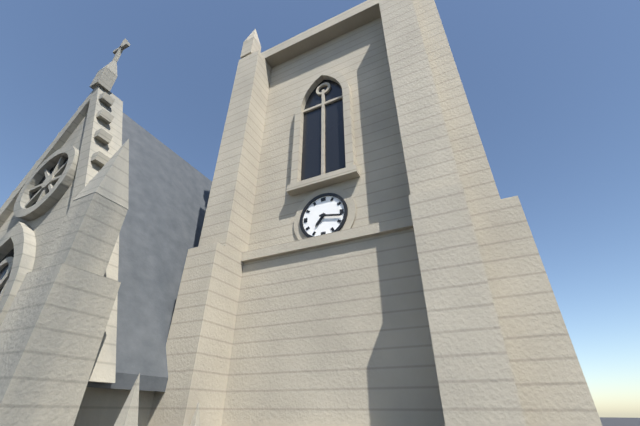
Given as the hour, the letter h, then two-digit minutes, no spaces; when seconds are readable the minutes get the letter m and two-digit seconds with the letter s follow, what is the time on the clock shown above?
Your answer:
7h17
